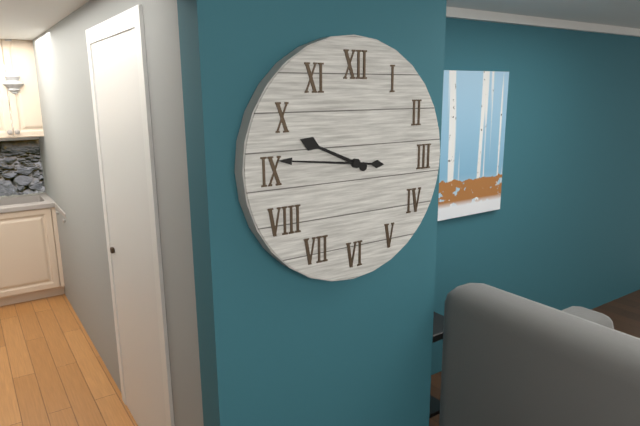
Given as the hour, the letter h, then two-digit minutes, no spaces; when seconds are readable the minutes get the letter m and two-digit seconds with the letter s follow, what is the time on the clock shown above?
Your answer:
9h46
